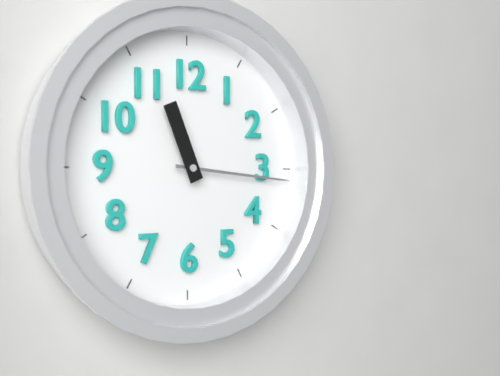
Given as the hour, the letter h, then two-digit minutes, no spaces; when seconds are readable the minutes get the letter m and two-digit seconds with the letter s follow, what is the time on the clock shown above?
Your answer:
11h16
